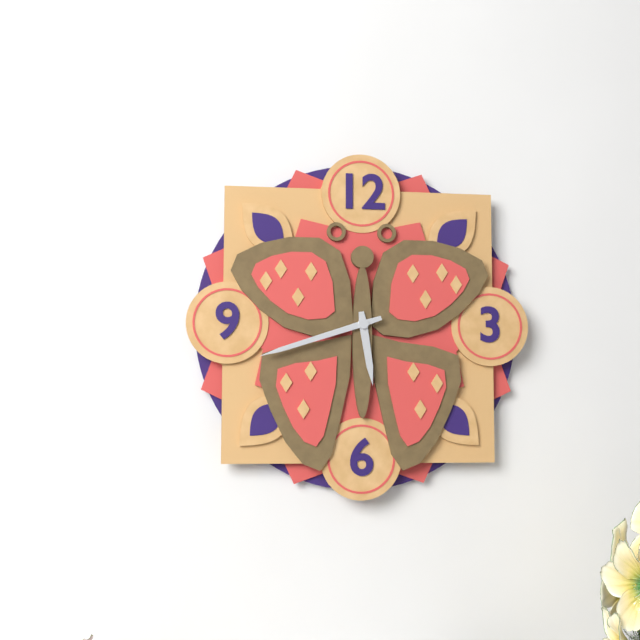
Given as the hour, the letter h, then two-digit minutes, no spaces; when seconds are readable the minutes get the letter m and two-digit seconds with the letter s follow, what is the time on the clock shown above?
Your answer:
5h42
